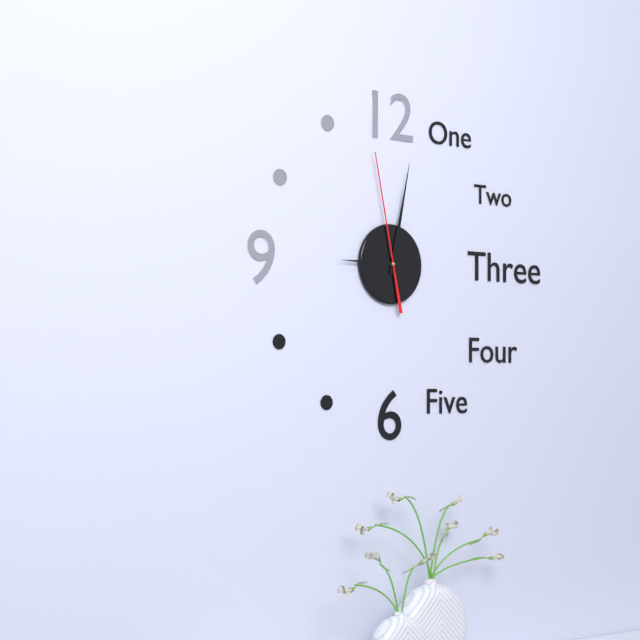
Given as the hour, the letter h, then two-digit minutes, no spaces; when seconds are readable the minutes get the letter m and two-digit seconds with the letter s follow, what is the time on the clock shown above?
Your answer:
9h02m58s
